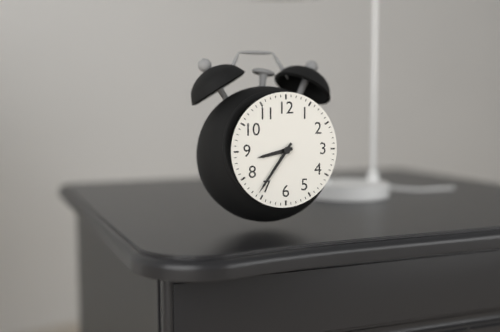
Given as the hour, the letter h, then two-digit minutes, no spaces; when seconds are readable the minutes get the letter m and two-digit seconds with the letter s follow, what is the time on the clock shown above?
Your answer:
8h36
